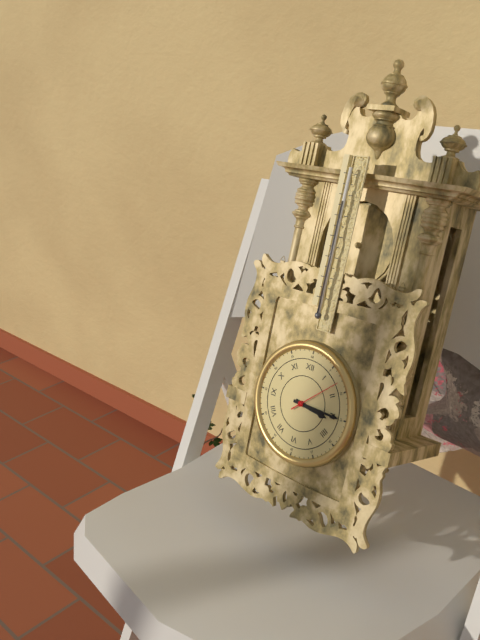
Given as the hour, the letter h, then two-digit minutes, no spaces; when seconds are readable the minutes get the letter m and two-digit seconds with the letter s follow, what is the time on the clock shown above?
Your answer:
3h15m08s
